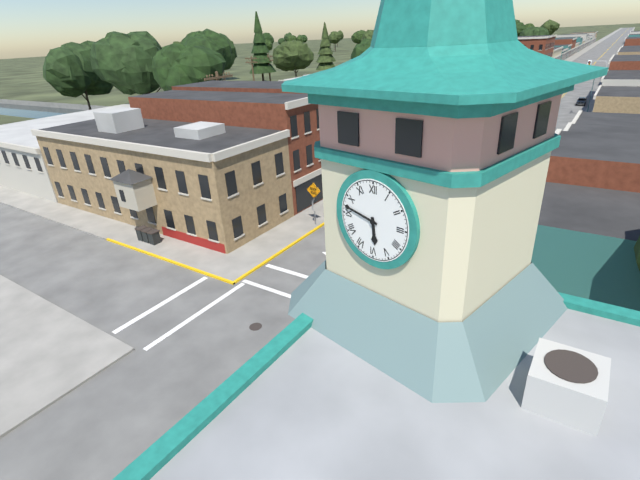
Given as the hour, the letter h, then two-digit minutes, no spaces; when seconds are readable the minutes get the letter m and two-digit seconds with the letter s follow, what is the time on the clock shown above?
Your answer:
5h47
